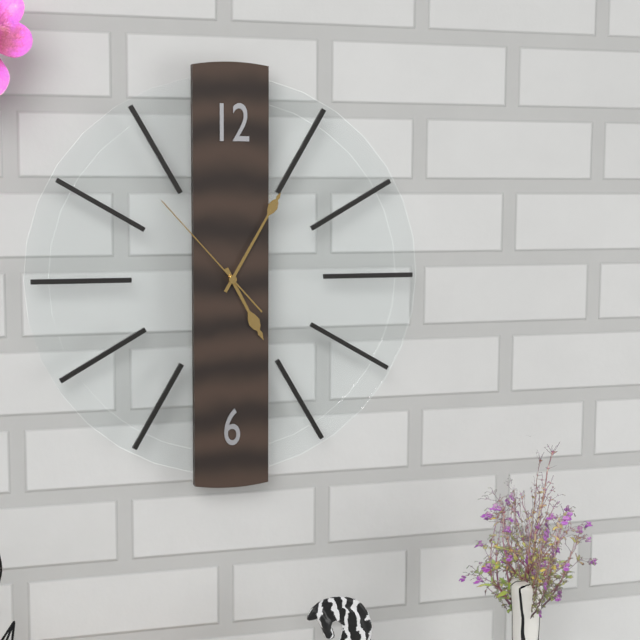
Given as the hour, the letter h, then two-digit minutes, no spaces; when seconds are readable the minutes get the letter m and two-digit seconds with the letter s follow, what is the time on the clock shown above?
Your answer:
5h05m53s
